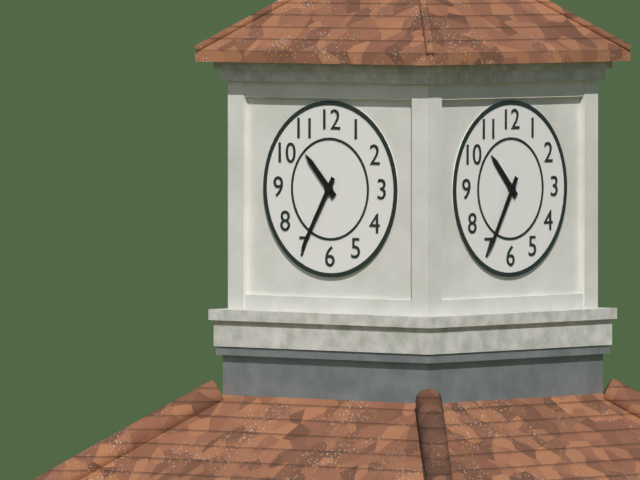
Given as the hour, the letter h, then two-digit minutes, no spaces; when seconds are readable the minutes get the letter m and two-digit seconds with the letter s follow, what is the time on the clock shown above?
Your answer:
10h35
